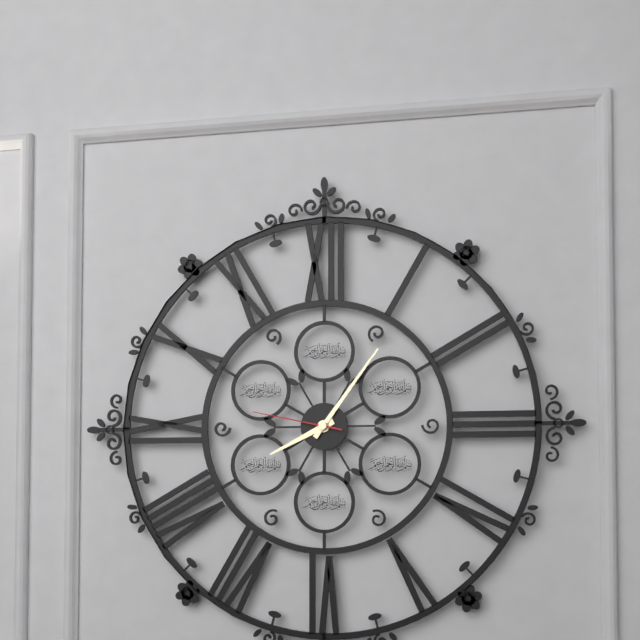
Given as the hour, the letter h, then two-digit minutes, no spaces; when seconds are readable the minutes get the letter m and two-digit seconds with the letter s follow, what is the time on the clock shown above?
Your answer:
8h06m47s
